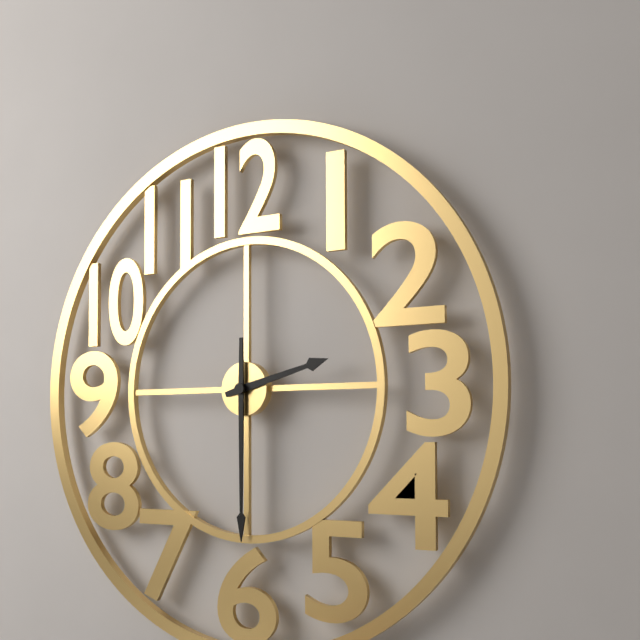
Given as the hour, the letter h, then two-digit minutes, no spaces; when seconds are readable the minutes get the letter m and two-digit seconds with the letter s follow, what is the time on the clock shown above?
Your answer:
2h30
